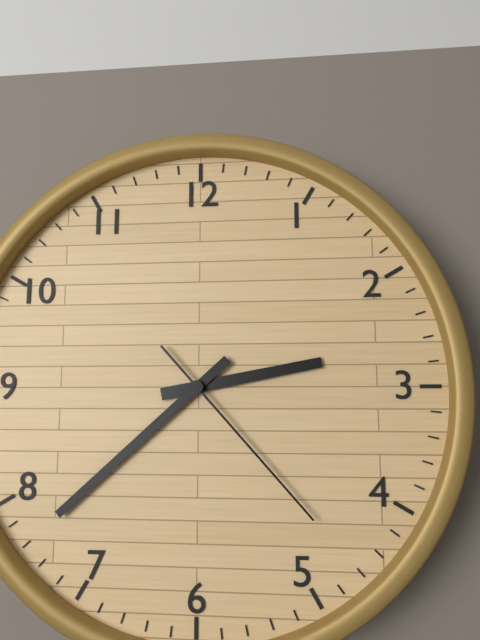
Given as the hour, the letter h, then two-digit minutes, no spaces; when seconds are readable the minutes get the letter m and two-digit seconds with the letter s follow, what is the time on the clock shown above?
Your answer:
2h38m23s
